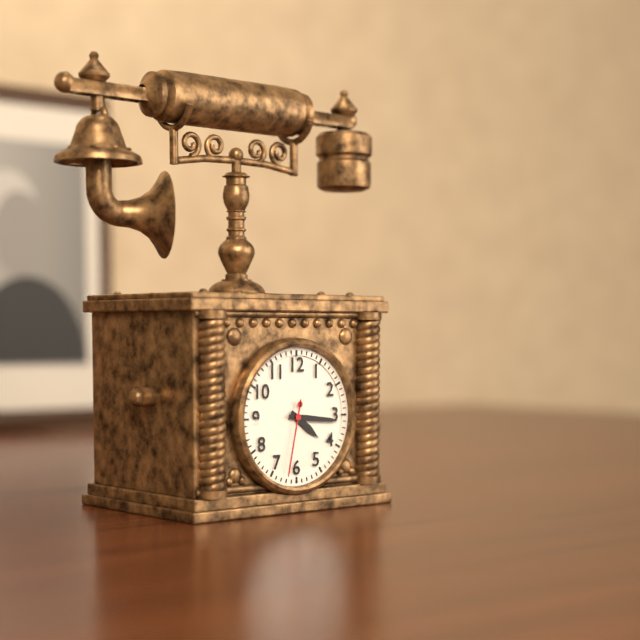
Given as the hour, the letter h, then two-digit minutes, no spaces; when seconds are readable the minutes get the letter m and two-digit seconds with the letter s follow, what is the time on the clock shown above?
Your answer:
4h16m32s
